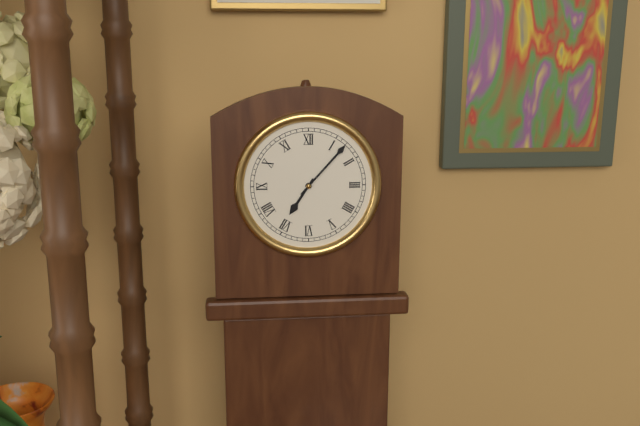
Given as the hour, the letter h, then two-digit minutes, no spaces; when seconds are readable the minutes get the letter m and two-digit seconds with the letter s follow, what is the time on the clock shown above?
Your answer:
7h07
